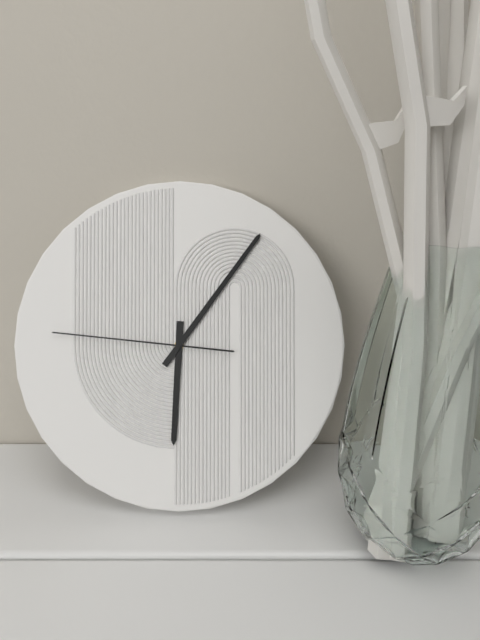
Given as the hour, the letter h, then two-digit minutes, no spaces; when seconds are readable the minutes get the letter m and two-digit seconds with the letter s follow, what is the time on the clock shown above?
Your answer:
6h06m46s
